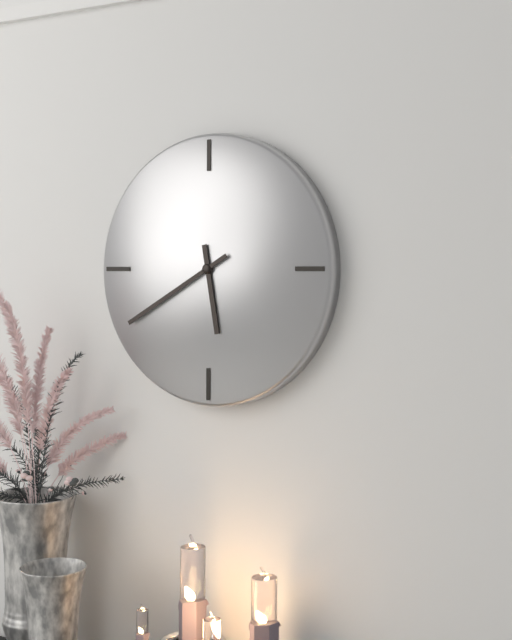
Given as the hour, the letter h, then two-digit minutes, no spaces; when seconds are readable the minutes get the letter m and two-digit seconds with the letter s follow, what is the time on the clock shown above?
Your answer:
5h40
